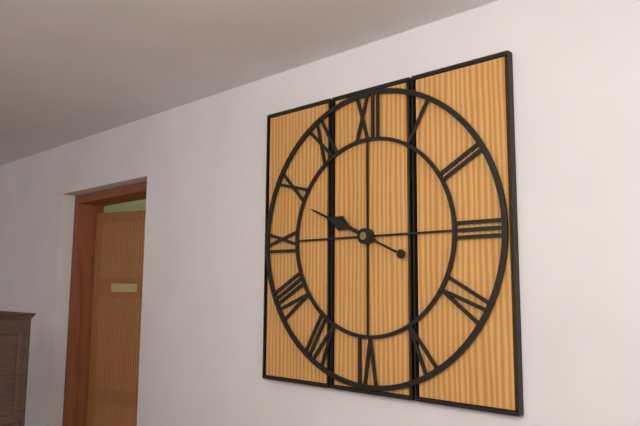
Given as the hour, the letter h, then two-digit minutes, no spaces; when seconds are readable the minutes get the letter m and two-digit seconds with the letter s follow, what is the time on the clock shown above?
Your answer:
9h49
